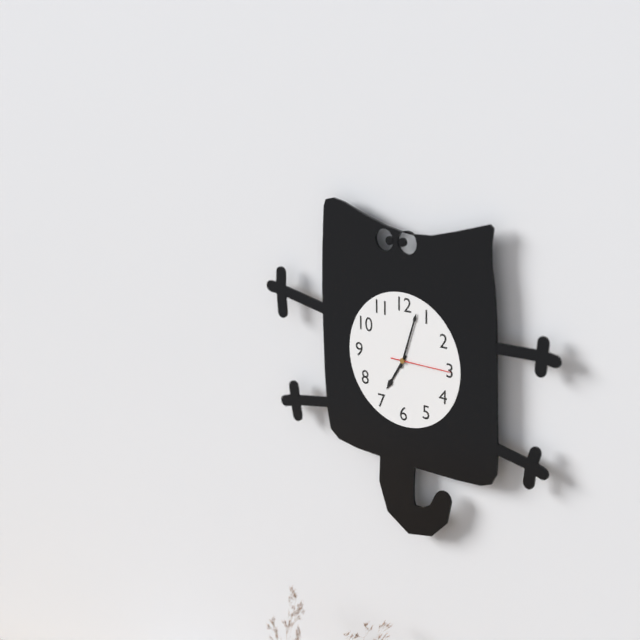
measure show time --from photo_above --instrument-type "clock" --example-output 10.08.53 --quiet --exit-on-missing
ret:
7.03.15
